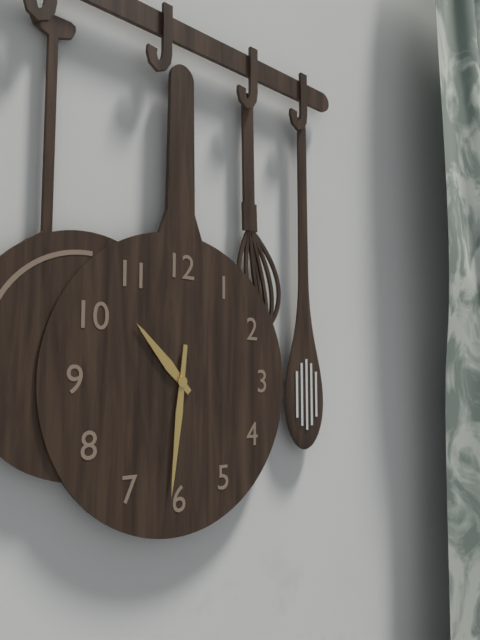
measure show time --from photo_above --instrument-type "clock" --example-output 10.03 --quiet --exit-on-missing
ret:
10.31
